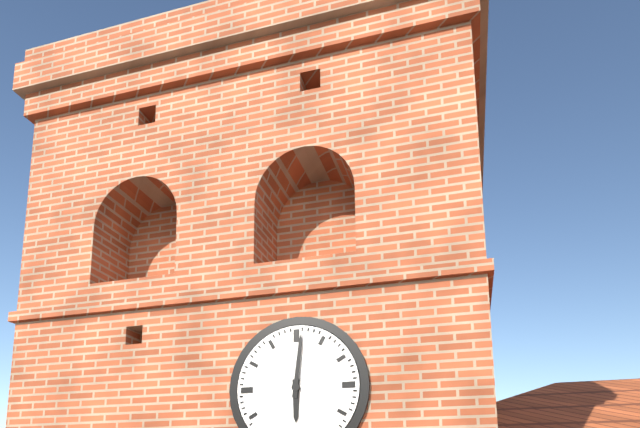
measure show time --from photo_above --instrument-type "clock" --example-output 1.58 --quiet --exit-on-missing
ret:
6.01
